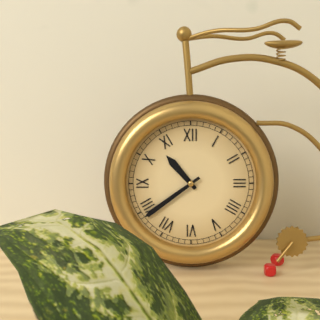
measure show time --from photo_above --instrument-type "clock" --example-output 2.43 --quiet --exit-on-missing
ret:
10.39
